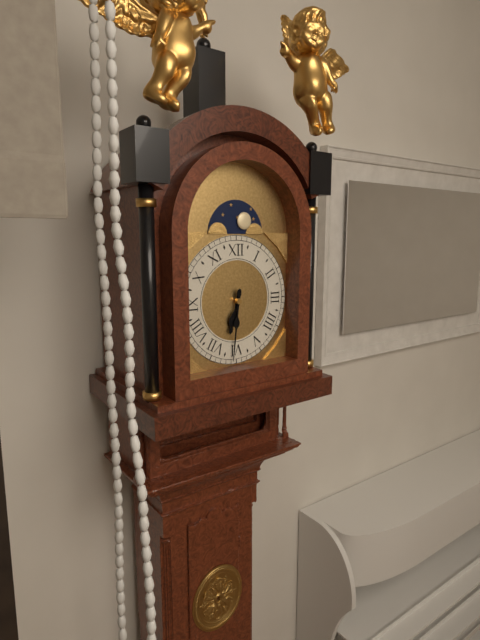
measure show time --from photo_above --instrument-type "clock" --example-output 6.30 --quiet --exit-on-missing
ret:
6.31
